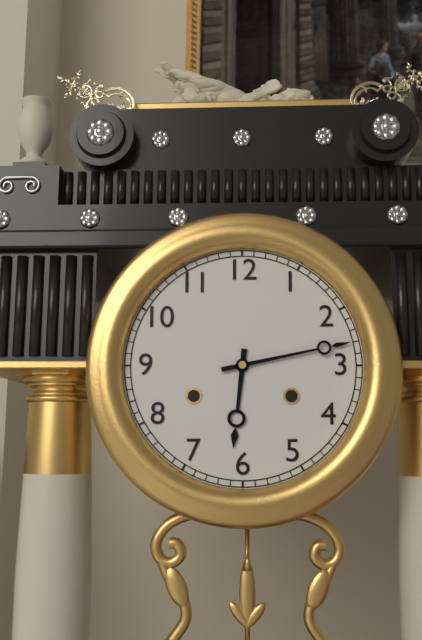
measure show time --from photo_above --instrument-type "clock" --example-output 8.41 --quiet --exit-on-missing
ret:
6.13
